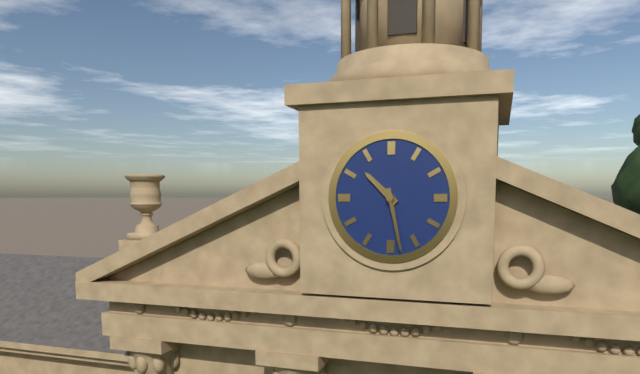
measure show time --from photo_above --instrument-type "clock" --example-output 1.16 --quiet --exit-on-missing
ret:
10.28
